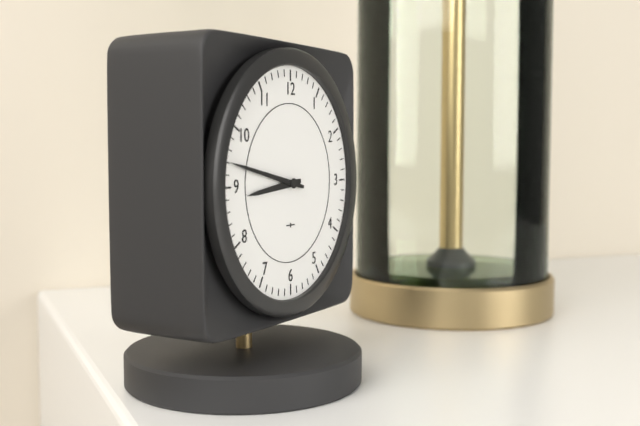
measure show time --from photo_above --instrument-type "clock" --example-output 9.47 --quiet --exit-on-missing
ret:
8.47
